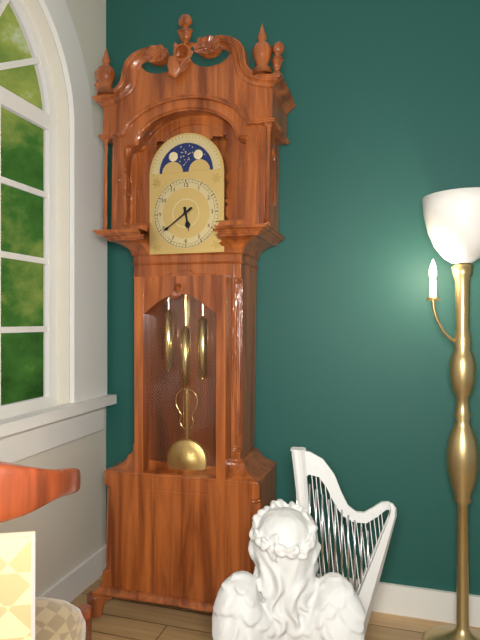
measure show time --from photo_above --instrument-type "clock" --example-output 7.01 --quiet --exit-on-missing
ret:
5.39
